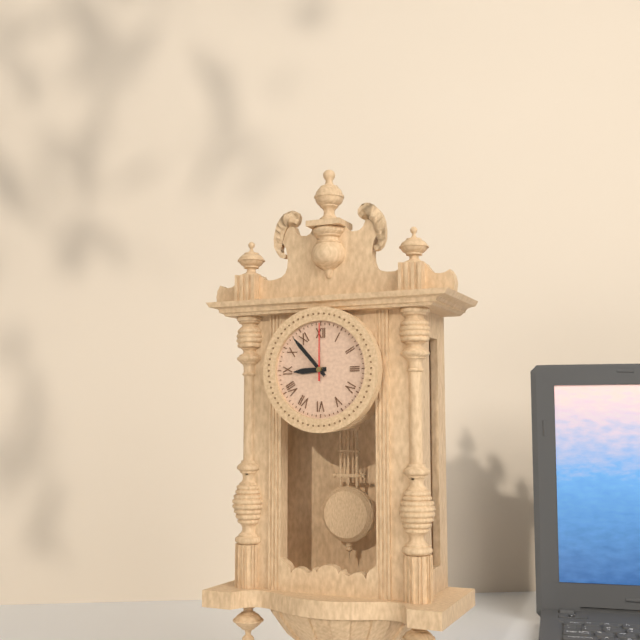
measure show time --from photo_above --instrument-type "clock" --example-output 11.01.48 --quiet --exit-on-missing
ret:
8.53.00
